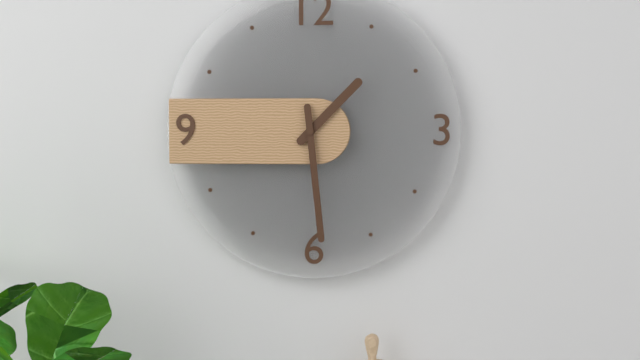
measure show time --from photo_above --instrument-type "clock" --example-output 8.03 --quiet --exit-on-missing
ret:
1.29
